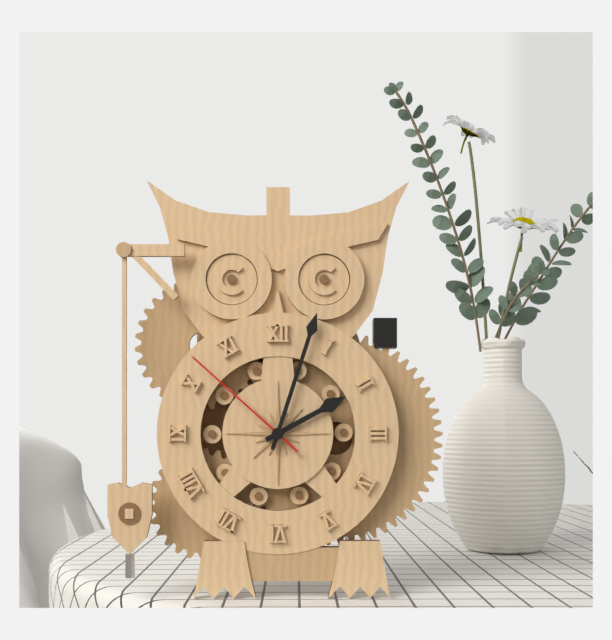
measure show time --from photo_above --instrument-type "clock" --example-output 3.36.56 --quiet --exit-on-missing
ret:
2.03.52
